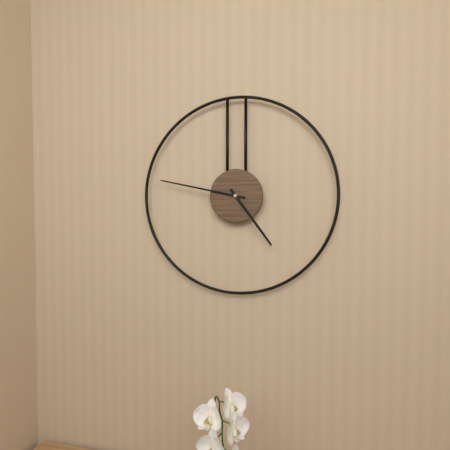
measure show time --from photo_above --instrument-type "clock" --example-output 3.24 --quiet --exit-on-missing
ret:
4.47
